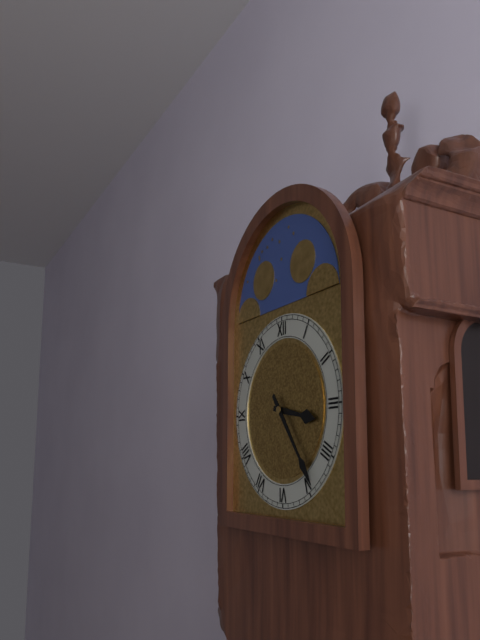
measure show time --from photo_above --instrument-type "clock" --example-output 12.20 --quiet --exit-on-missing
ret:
3.24
